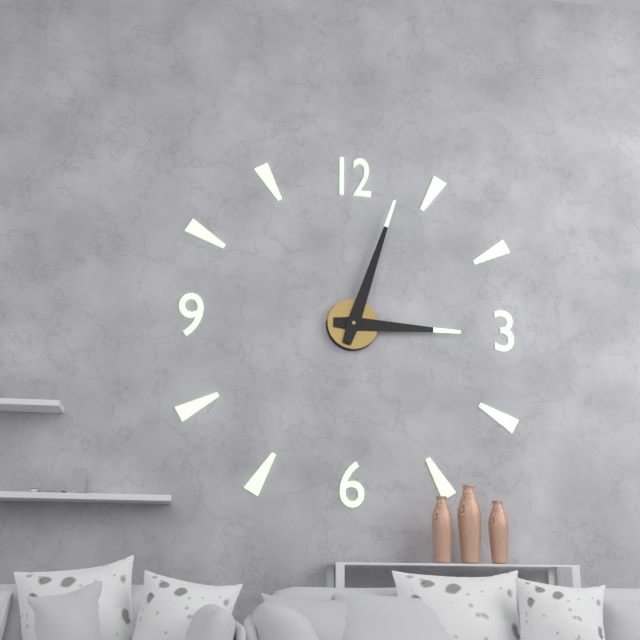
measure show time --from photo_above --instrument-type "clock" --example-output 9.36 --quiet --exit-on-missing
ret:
3.03
